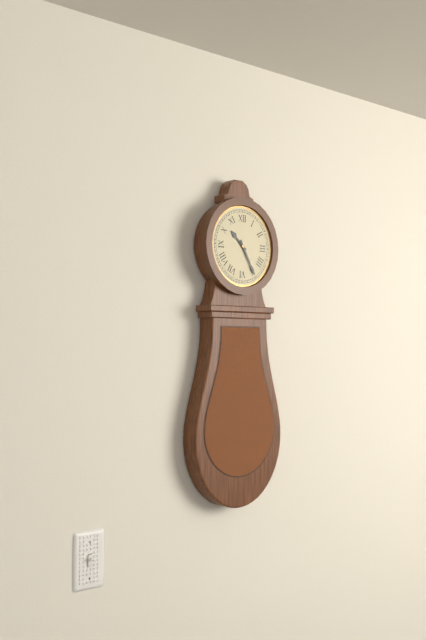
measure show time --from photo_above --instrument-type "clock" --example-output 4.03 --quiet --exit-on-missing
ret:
10.25
